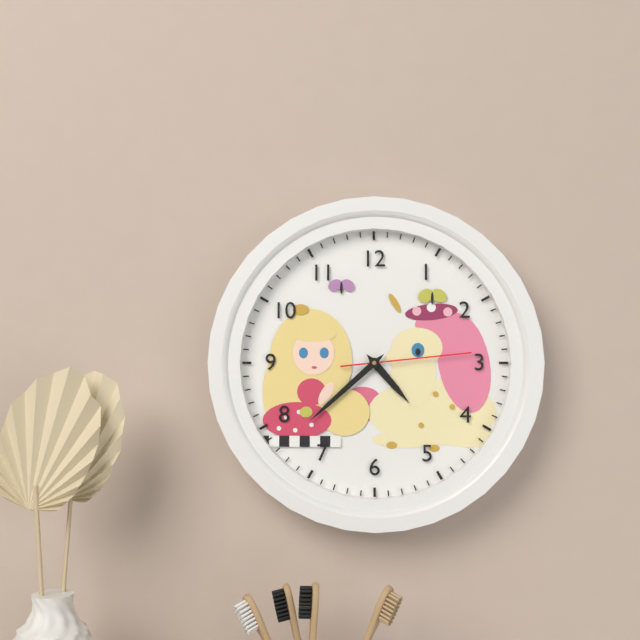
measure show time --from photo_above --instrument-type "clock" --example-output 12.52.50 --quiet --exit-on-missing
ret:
4.38.14
